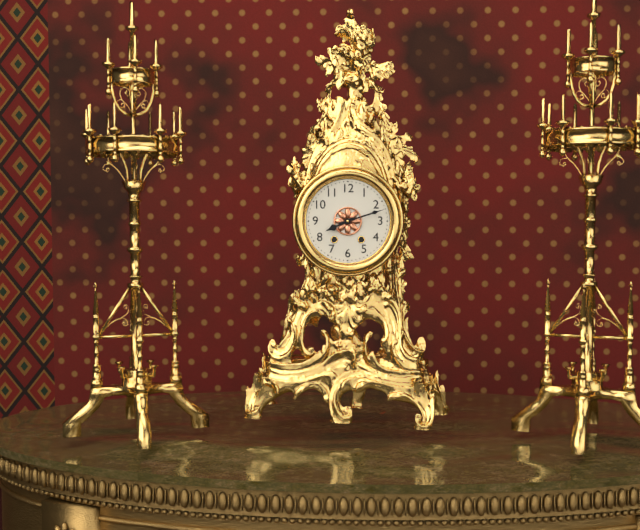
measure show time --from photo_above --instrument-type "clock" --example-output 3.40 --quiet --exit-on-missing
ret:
8.12
